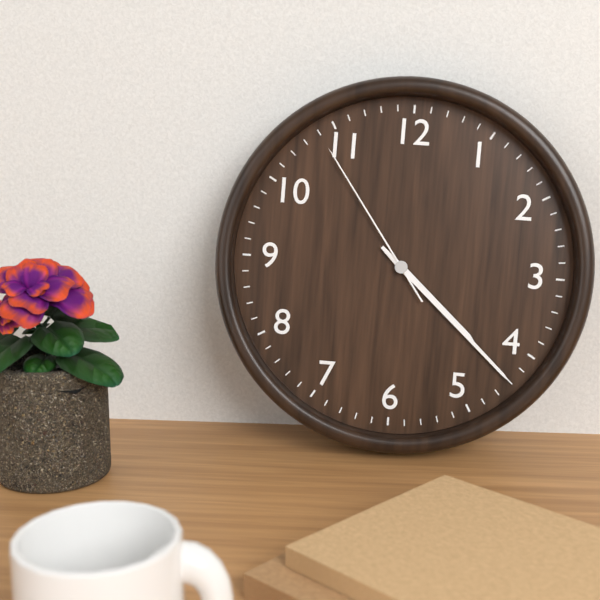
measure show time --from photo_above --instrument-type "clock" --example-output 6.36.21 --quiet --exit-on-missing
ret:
4.22.54
